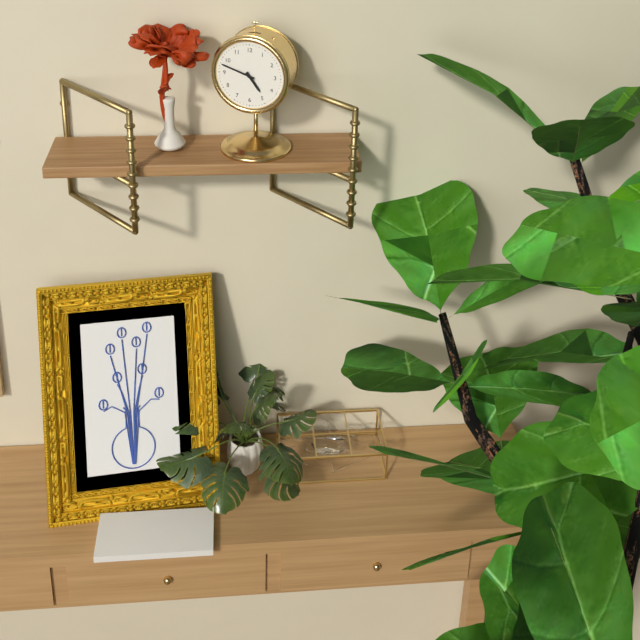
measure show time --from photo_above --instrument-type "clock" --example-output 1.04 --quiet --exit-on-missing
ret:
4.48
